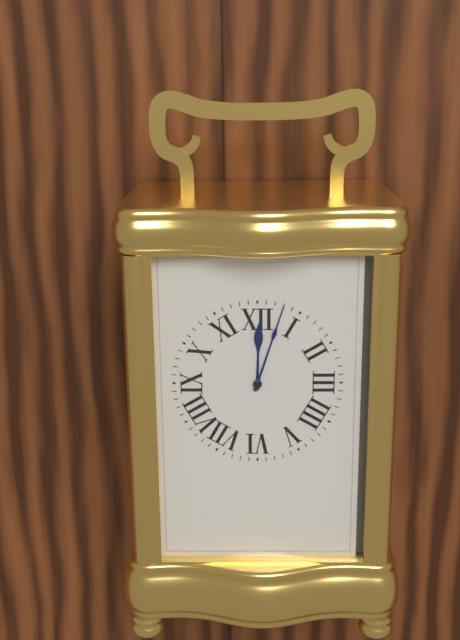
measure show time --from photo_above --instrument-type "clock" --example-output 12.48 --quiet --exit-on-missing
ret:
12.03
